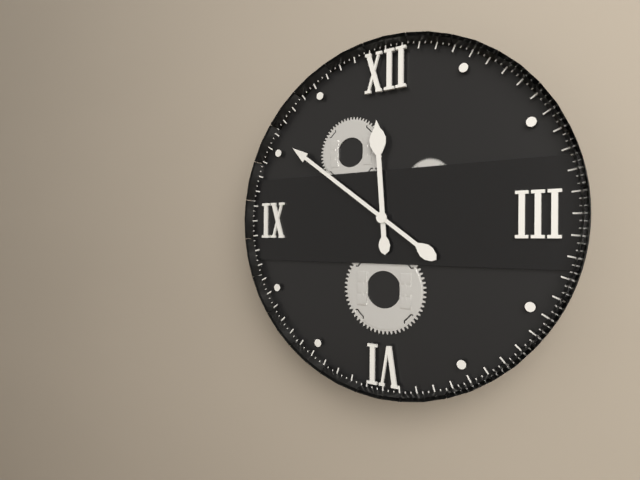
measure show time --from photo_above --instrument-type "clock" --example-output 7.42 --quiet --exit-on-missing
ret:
11.51
